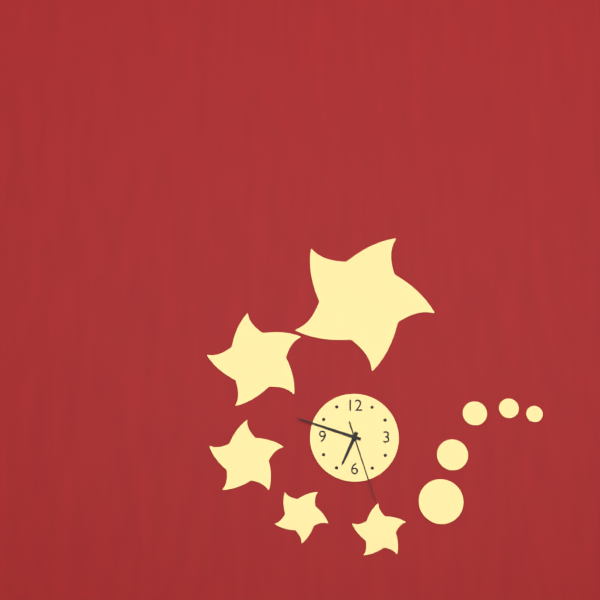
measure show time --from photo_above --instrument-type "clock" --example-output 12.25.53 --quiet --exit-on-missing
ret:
6.48.27
